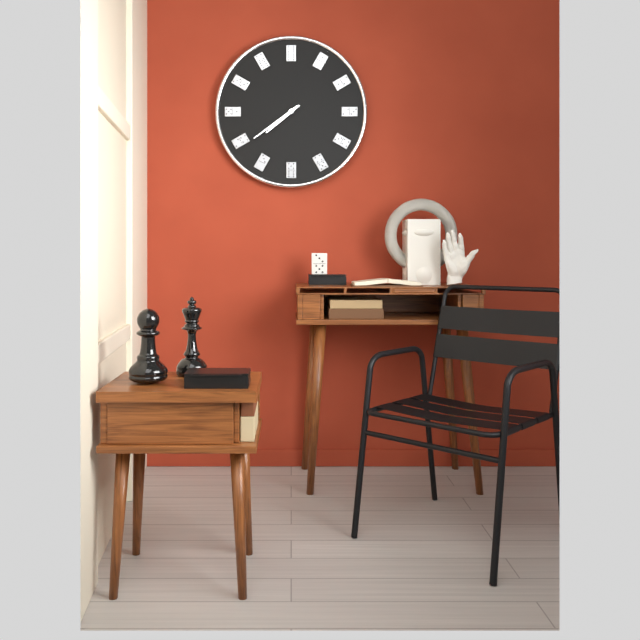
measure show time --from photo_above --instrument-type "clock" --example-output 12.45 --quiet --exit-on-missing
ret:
7.39
